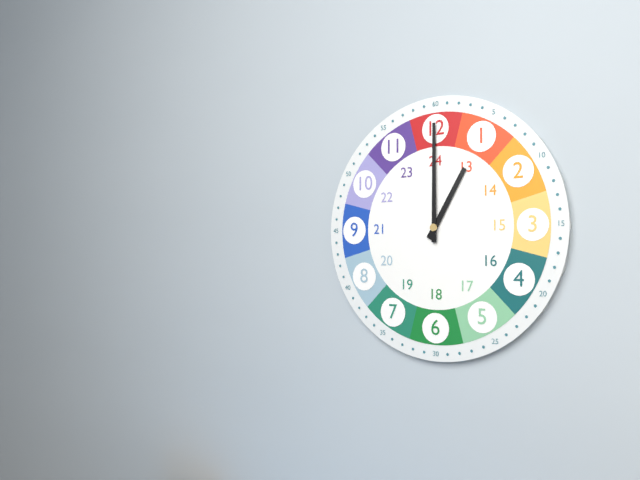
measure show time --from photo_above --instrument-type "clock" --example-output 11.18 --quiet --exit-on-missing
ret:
1.00
